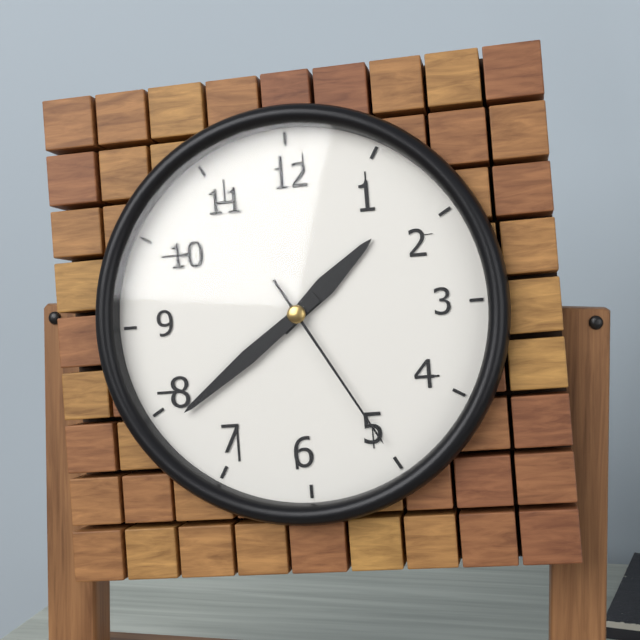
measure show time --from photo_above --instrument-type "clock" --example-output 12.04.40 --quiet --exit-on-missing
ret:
1.39.25
